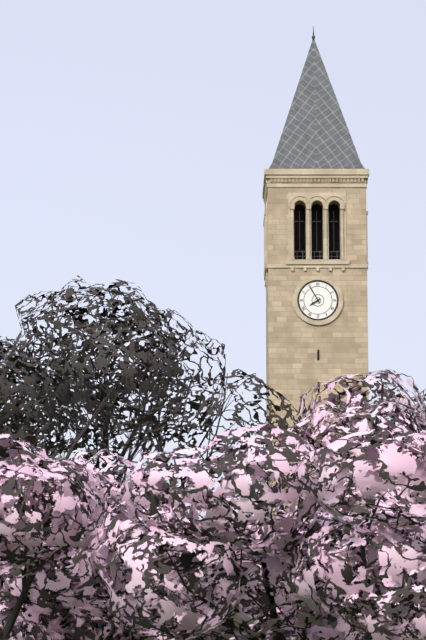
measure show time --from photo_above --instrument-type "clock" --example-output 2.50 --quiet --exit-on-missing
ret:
7.55
